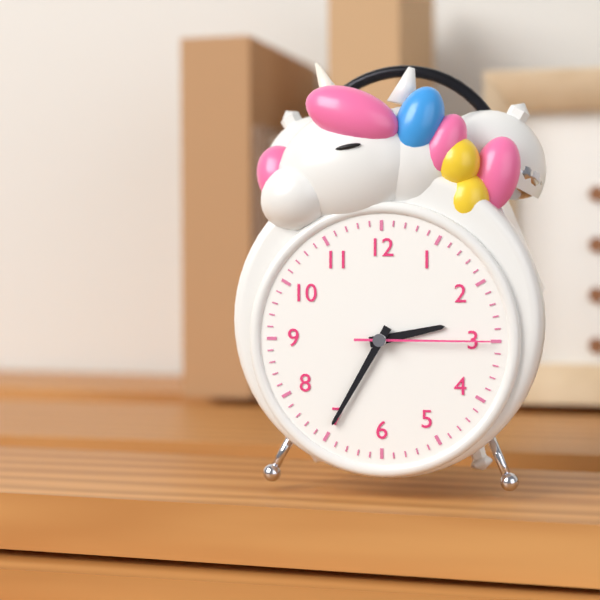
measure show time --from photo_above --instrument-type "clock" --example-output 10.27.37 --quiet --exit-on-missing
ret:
2.35.15
